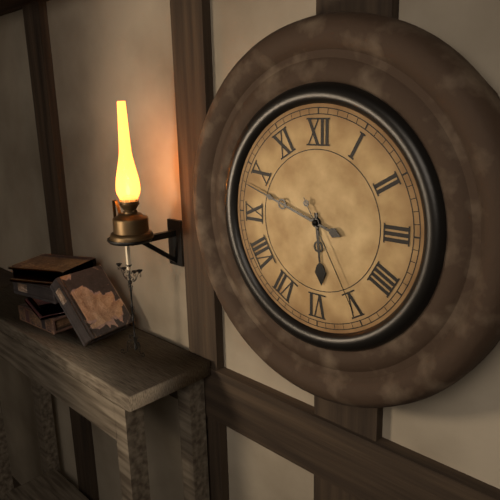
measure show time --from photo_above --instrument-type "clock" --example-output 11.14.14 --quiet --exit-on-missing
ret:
5.48.25
